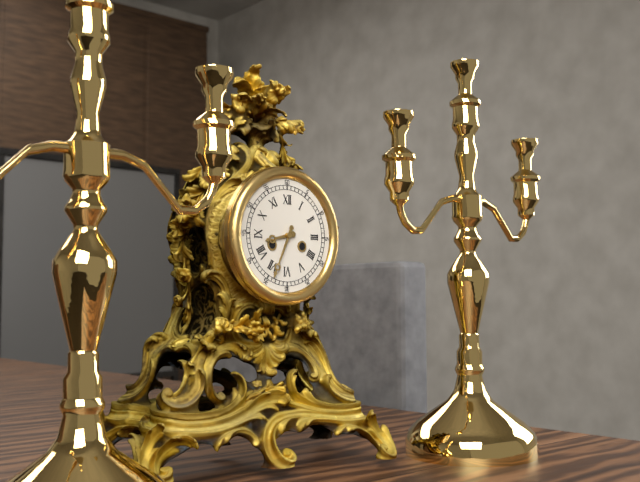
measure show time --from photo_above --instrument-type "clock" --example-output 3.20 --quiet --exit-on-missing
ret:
8.34
